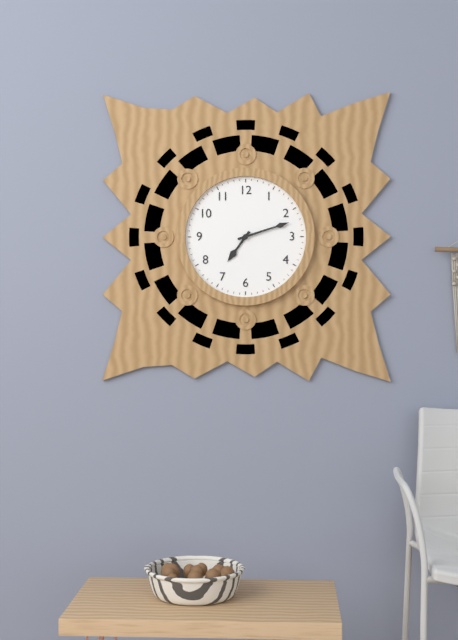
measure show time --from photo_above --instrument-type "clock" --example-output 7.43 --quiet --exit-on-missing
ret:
7.12
